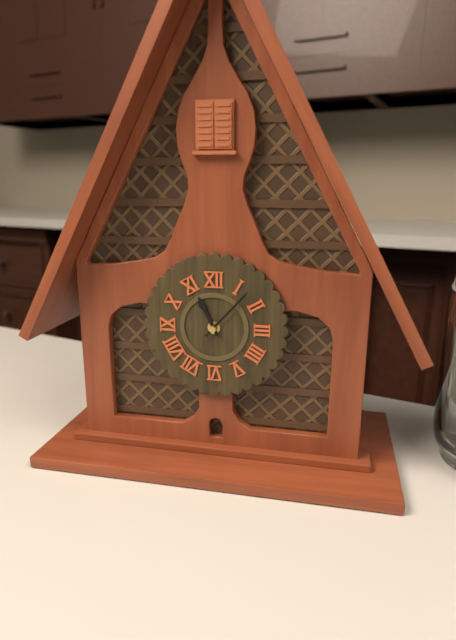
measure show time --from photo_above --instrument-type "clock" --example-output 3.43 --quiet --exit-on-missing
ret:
11.07
